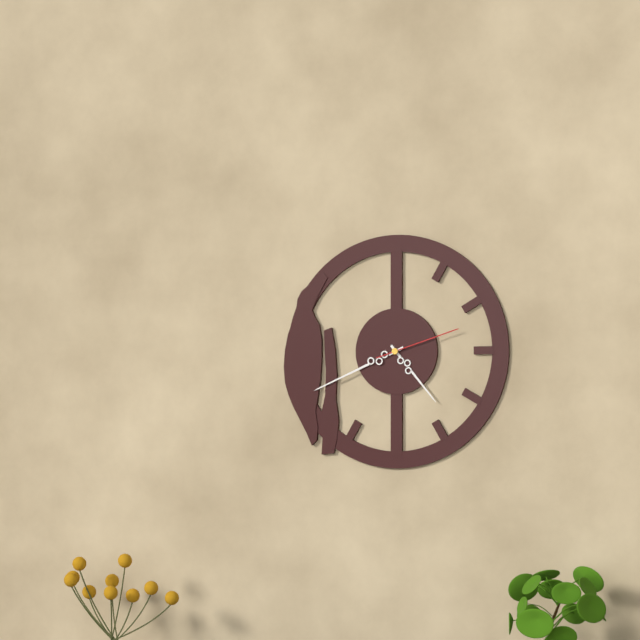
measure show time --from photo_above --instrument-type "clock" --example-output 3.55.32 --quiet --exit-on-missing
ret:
4.41.12
